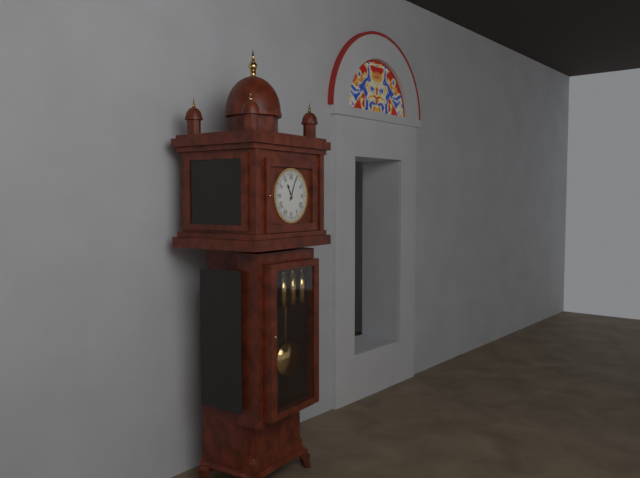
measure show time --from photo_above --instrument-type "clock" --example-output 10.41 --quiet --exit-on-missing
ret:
11.04
